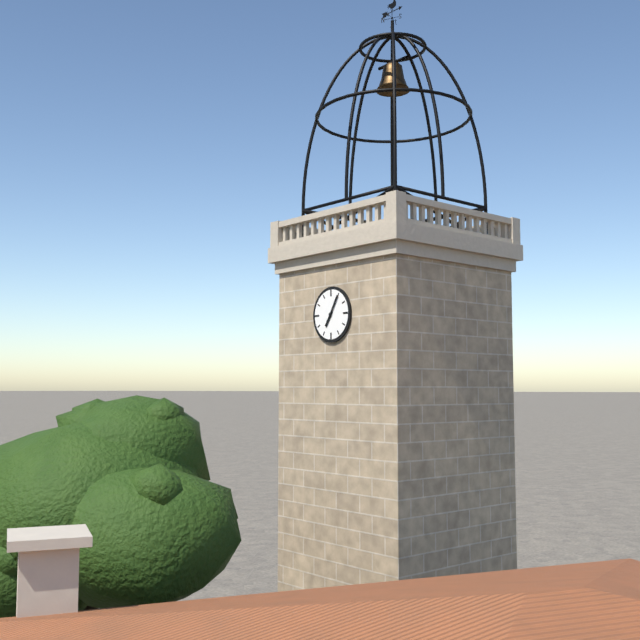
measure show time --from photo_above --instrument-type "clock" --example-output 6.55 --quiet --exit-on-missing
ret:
7.05
